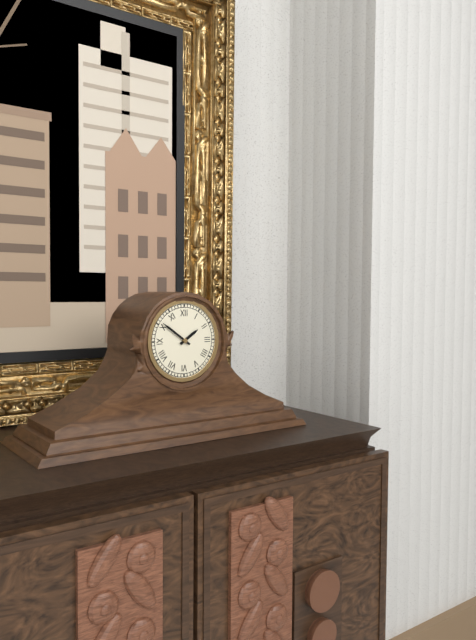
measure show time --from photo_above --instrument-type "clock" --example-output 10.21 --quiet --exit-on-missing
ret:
1.51
